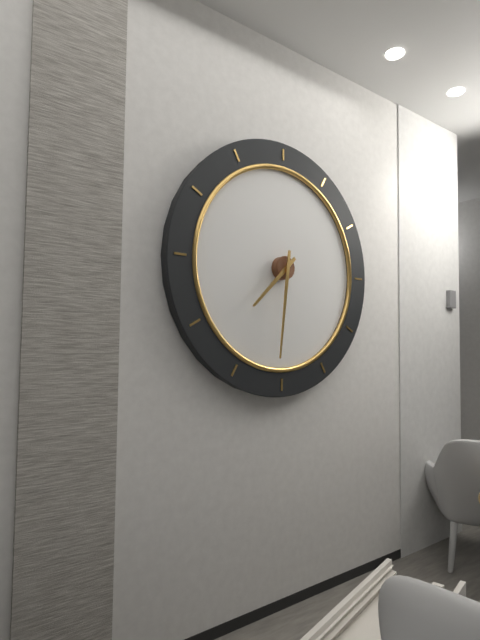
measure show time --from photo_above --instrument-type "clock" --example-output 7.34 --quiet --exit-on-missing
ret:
7.31
